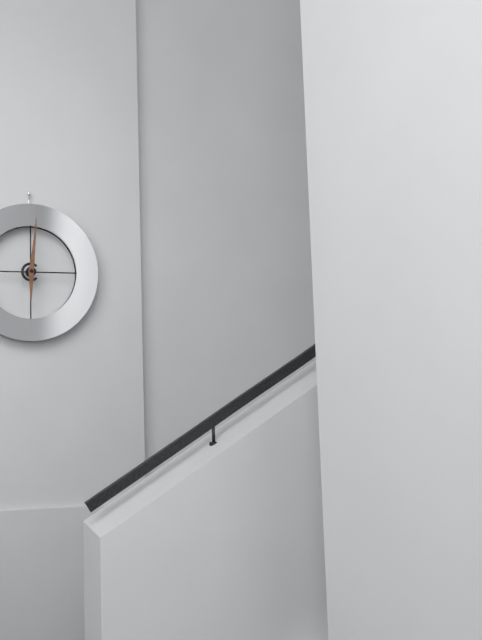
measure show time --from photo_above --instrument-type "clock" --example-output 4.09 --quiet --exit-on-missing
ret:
6.01
